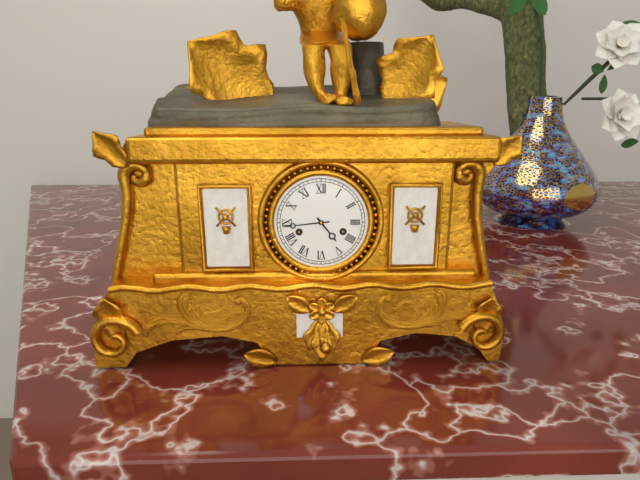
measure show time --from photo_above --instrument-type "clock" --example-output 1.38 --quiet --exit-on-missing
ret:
4.44
